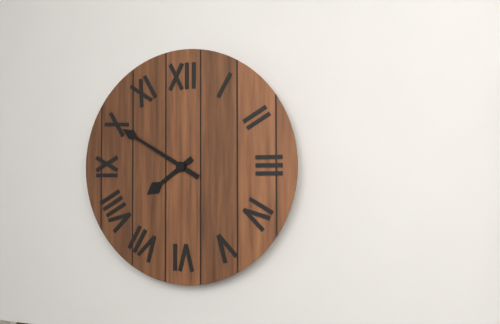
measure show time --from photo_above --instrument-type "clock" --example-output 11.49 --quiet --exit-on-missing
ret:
7.50
